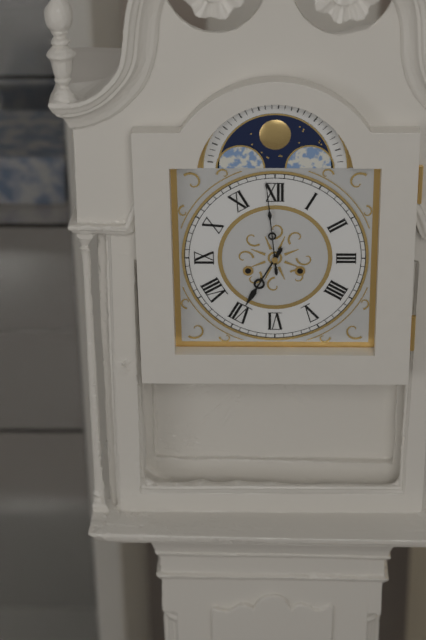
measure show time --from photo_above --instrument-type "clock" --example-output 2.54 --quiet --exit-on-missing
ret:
6.59
